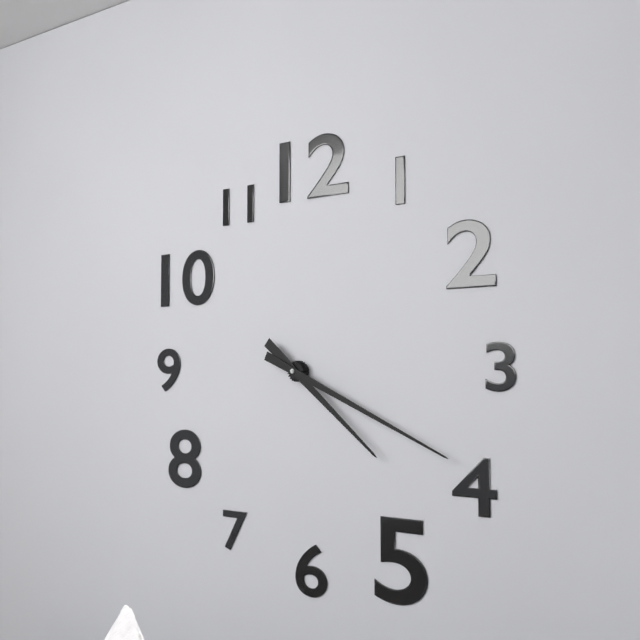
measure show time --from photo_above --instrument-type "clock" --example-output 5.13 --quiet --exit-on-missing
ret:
4.19
